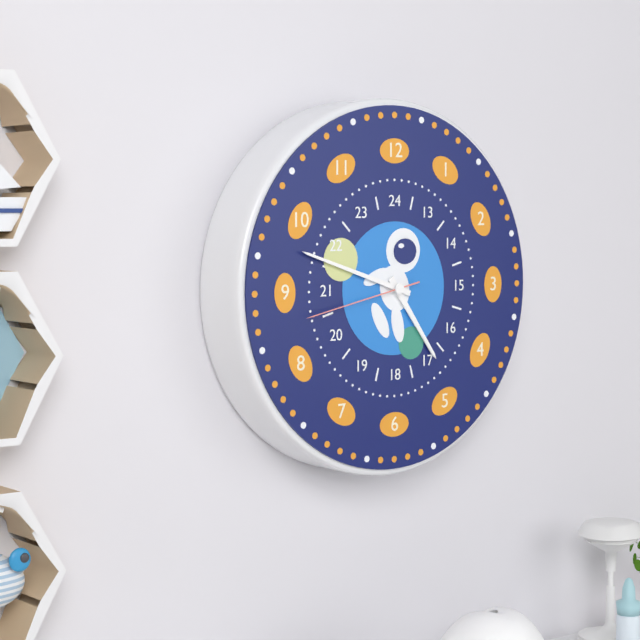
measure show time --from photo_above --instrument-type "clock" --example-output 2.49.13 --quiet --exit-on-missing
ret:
4.48.43
